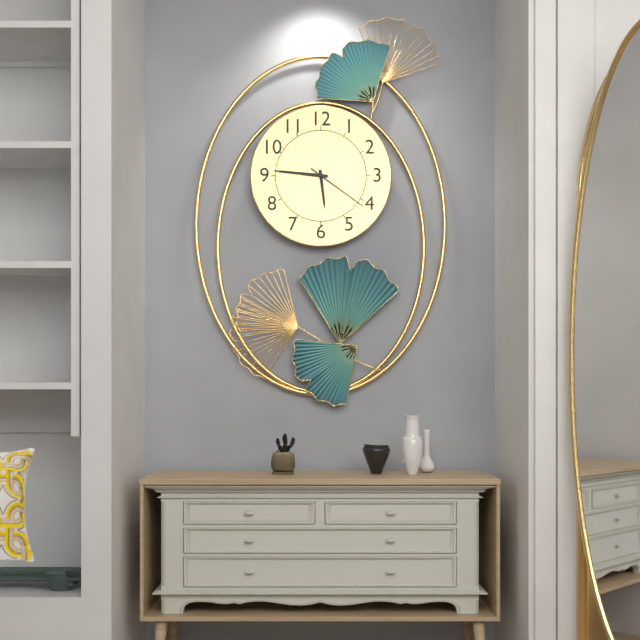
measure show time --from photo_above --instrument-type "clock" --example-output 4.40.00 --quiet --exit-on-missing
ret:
5.46.21
